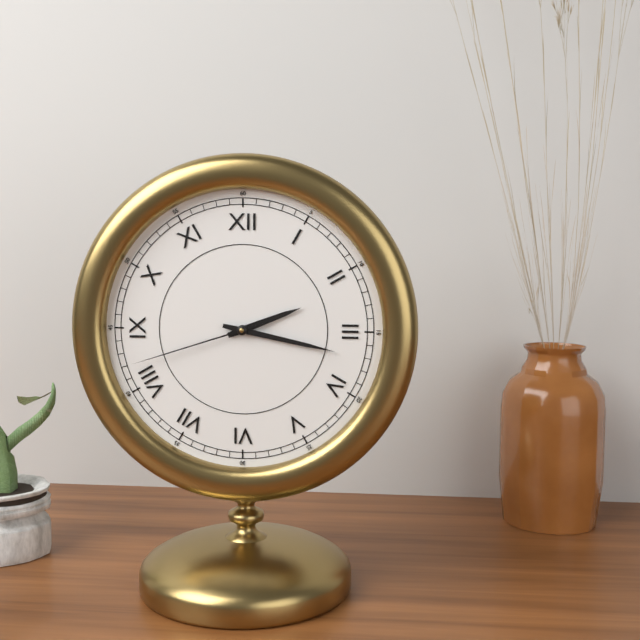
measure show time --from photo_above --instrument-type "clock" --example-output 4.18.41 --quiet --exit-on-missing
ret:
2.17.42
